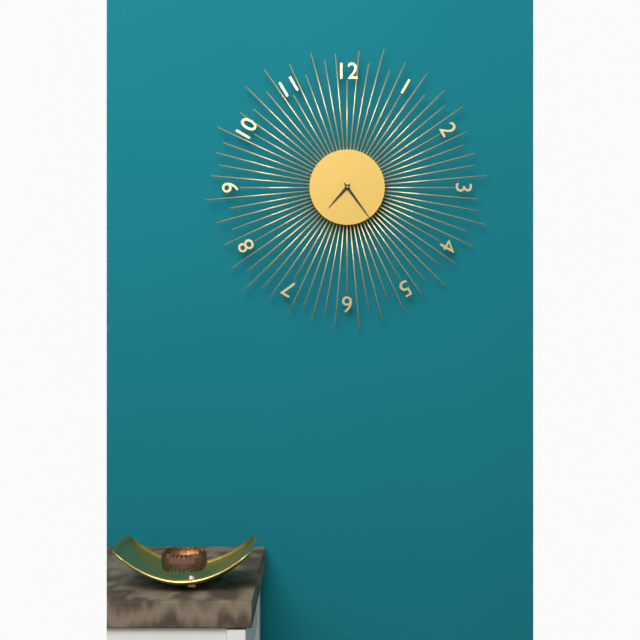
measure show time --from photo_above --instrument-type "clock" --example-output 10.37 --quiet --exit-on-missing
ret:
7.24
